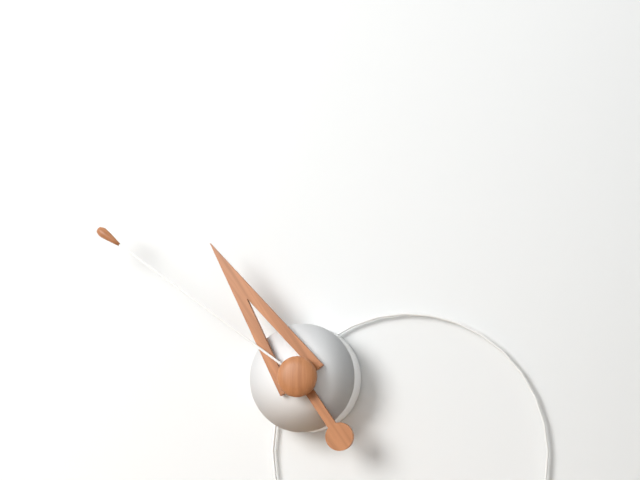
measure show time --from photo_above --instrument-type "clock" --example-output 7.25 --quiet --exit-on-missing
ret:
10.51
